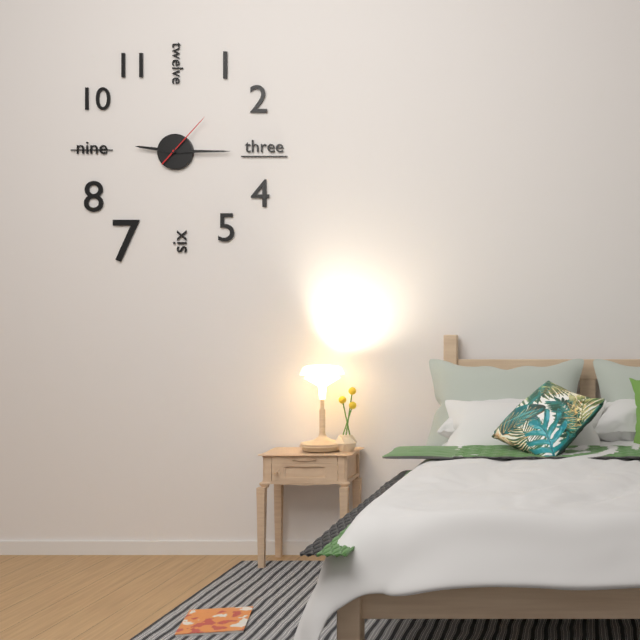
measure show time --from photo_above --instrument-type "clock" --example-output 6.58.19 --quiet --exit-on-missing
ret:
9.15.07
